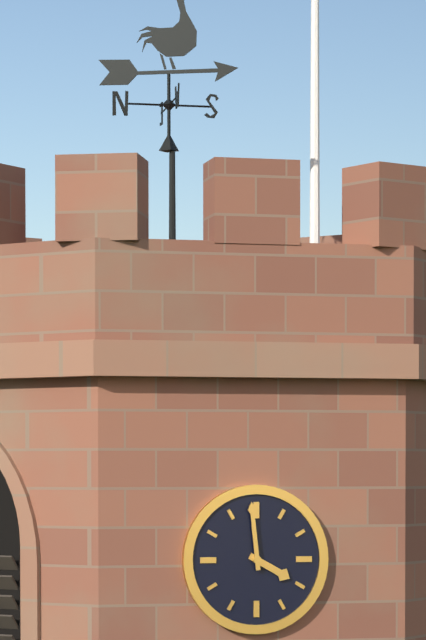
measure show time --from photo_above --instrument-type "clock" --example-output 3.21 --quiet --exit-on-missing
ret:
3.59
